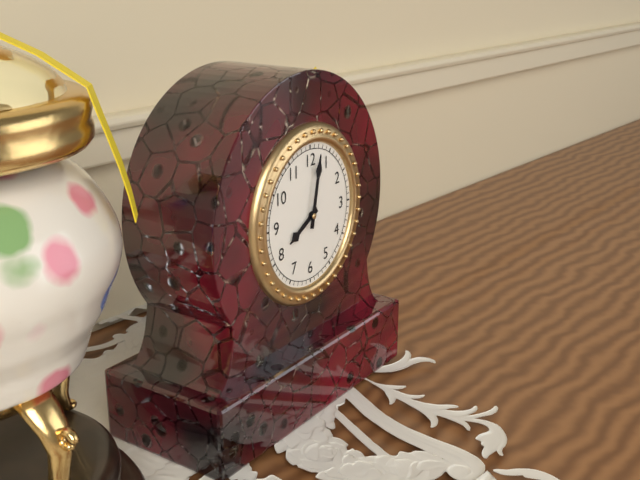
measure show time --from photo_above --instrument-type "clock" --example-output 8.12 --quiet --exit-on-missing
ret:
8.02
